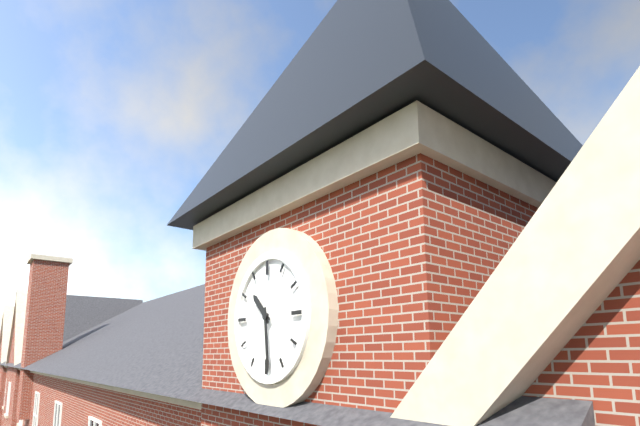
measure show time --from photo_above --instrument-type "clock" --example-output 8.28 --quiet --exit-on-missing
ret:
10.29
